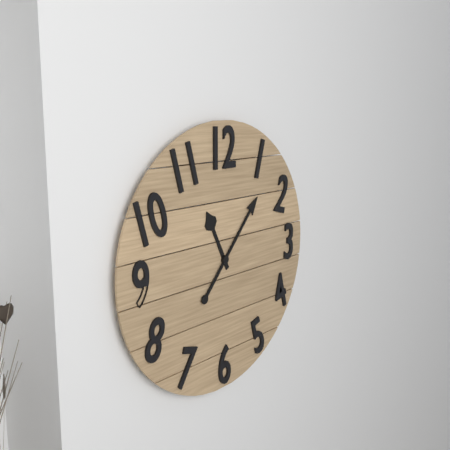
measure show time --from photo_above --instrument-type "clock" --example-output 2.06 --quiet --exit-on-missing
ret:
11.07
